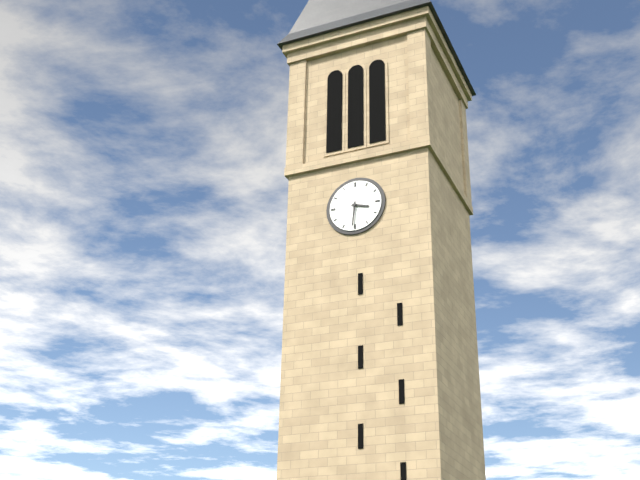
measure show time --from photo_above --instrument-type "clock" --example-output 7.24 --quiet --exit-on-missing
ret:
3.31
